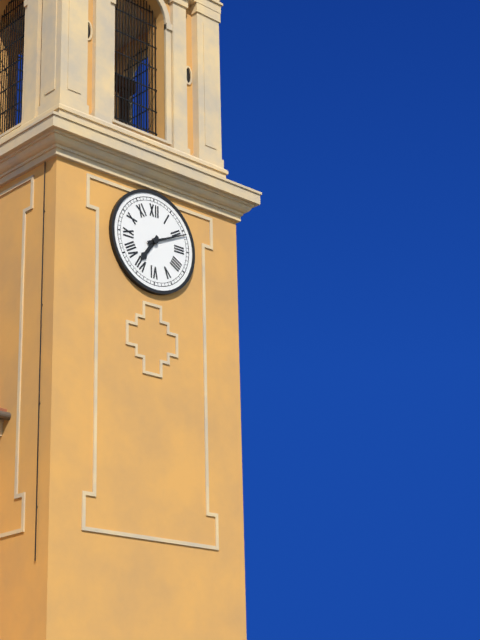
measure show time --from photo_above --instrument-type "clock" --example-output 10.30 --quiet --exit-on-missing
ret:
7.11
